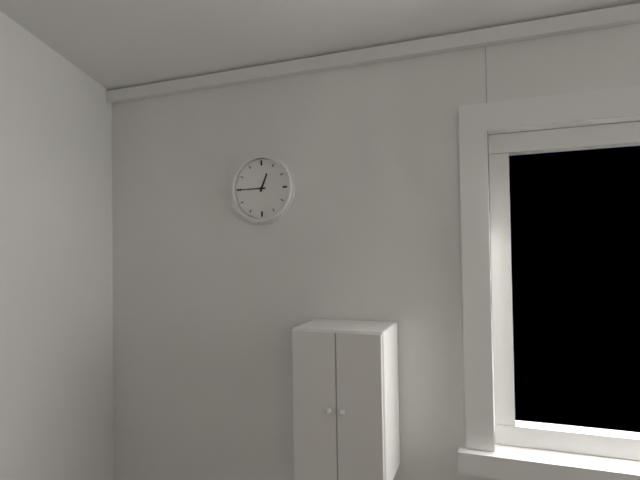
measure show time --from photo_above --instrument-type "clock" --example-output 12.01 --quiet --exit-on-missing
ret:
12.45
